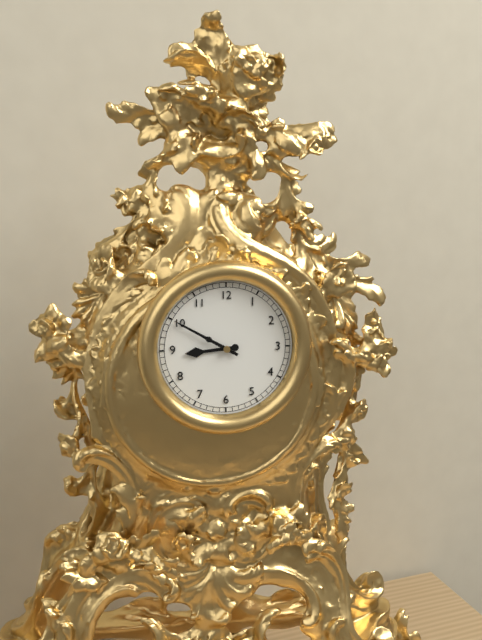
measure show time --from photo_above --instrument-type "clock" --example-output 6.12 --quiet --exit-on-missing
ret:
8.50
